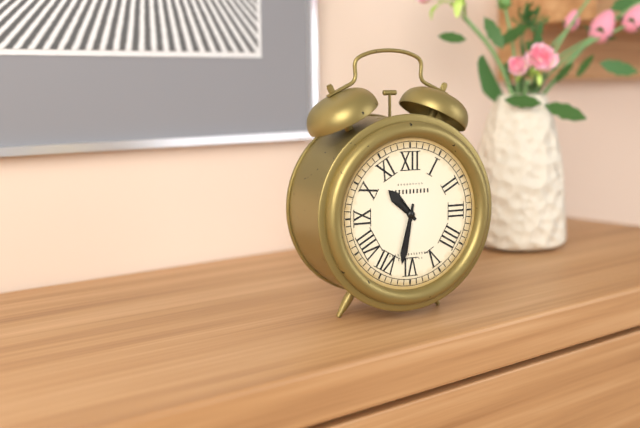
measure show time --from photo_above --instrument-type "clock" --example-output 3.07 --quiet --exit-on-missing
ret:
10.32
